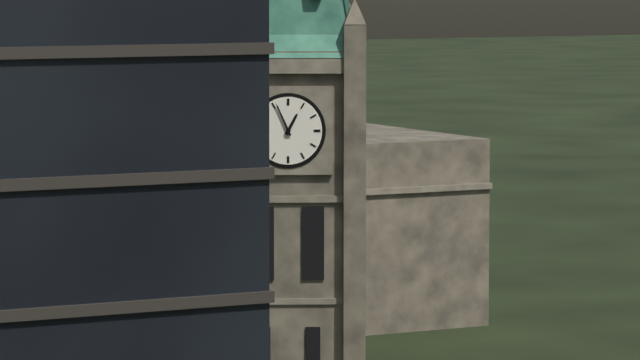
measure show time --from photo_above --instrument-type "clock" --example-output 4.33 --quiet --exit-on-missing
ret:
12.56
